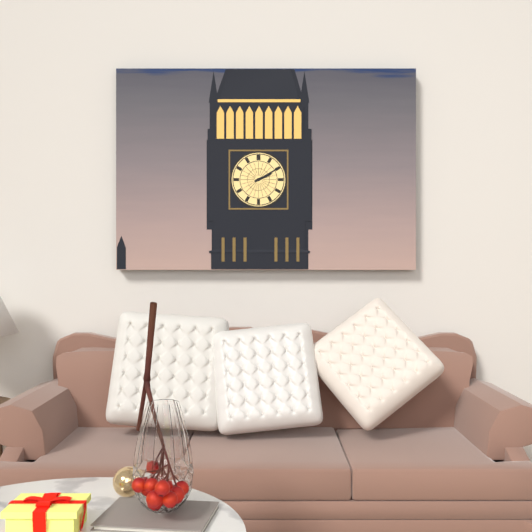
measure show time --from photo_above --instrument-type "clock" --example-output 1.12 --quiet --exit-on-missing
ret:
2.10
